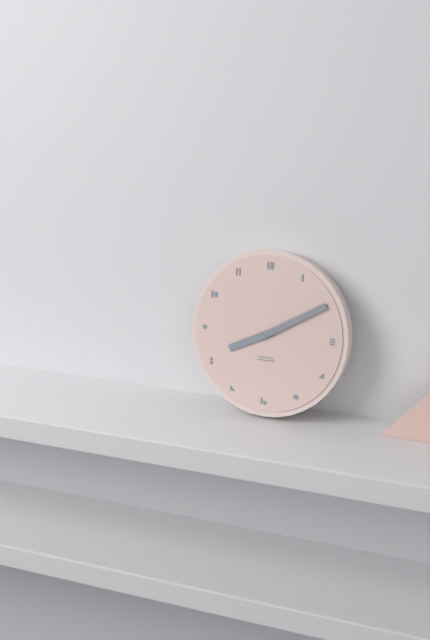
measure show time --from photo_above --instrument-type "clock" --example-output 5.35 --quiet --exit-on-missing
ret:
8.10
